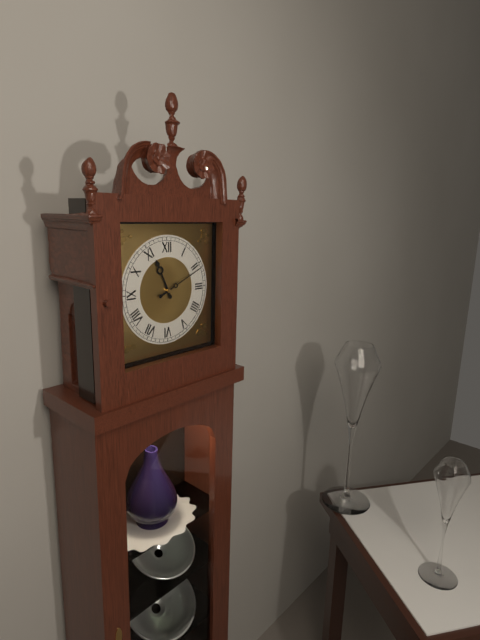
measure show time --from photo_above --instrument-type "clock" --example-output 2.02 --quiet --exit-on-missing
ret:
11.11
